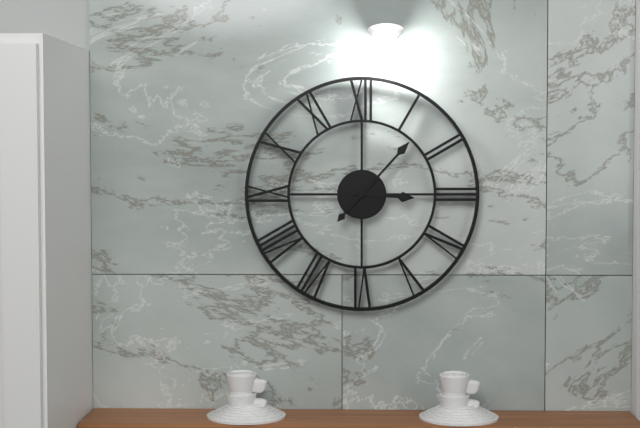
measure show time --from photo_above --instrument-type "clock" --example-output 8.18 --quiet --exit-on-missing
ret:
3.07
